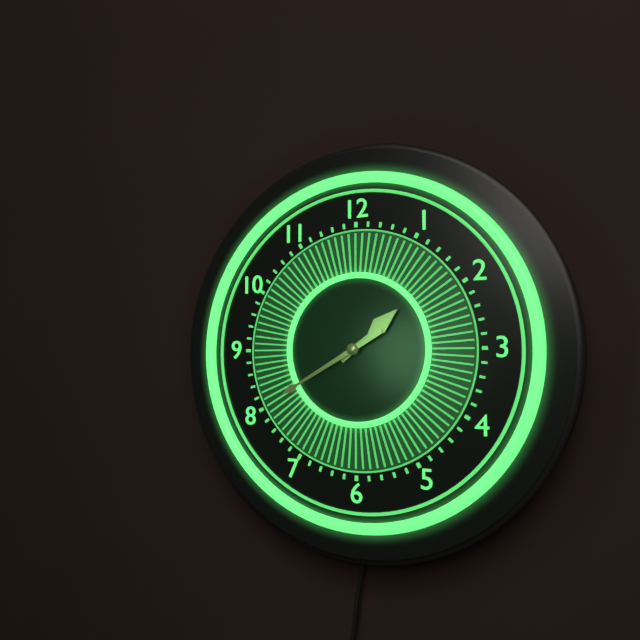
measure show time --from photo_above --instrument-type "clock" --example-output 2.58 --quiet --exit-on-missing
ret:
1.40
